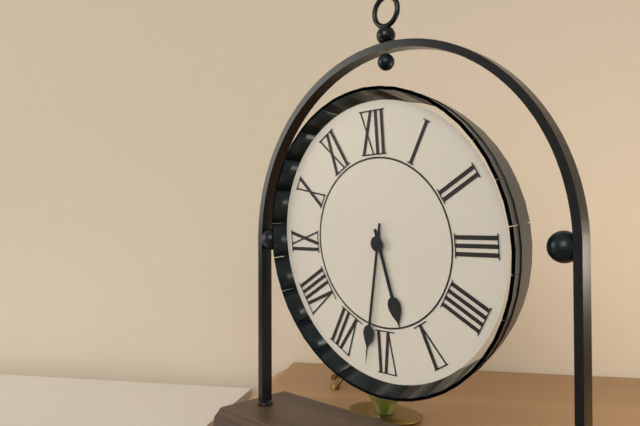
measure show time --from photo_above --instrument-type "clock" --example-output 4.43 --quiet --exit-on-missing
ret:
5.32
